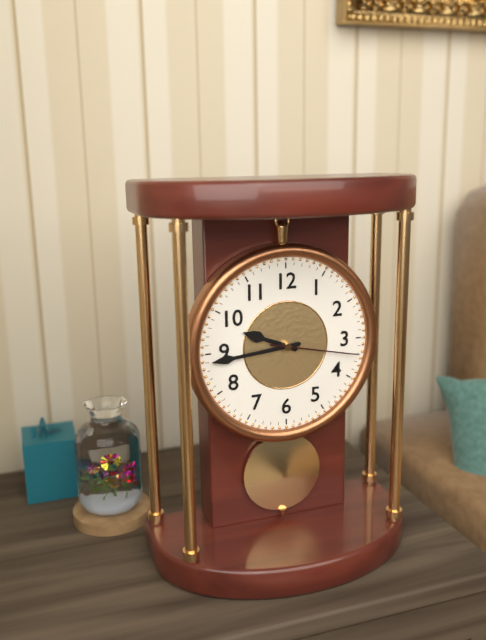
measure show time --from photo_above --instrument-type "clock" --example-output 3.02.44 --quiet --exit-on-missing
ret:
9.44.17
